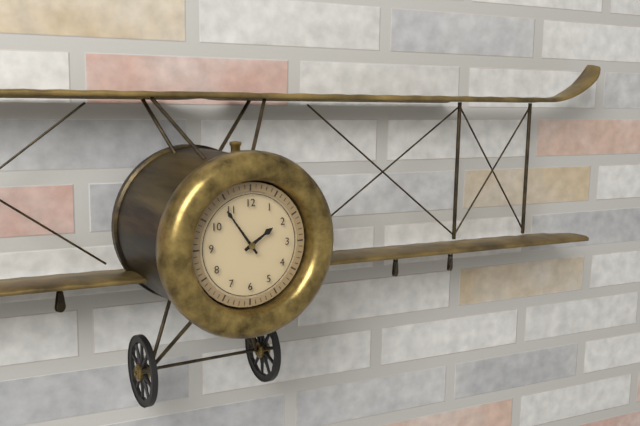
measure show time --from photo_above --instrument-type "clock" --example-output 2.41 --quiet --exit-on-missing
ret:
1.54
